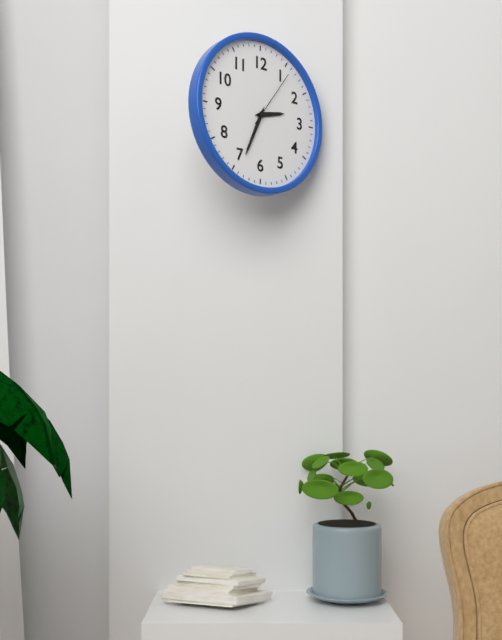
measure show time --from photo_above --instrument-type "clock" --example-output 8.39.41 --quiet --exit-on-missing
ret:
2.34.06
